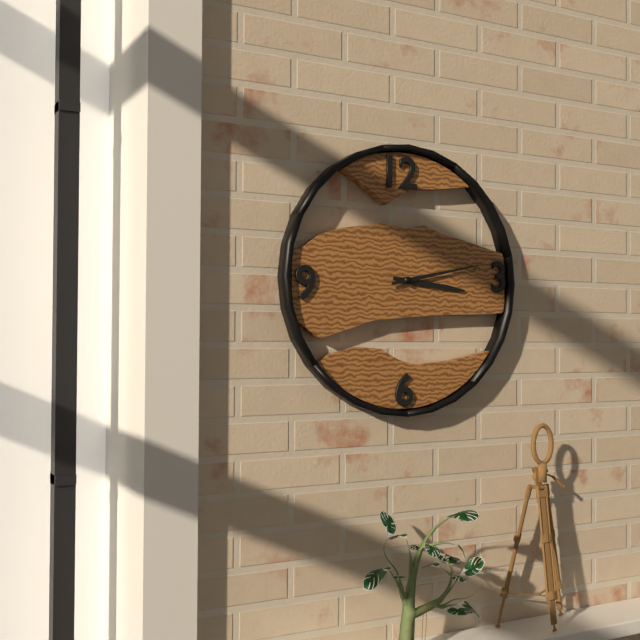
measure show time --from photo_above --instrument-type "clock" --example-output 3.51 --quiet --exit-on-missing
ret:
3.13
